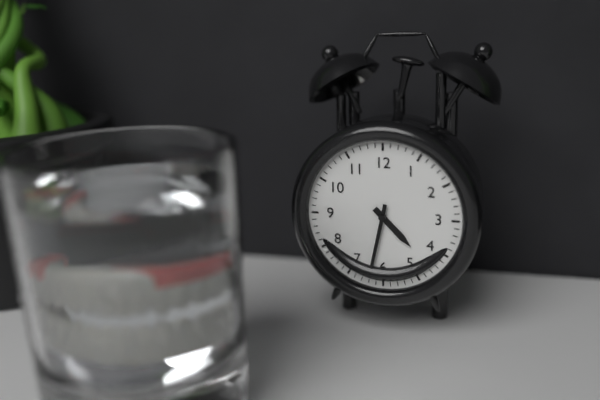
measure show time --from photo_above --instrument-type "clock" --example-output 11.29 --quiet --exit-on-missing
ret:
4.32
